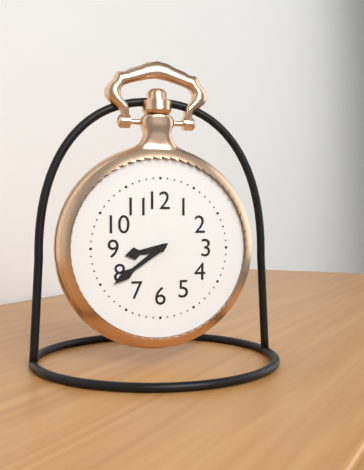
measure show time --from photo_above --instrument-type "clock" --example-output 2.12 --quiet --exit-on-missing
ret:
8.39
